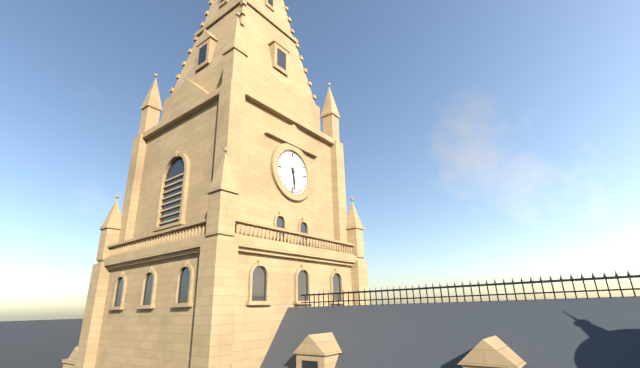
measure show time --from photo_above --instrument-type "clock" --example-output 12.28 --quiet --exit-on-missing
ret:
5.29
